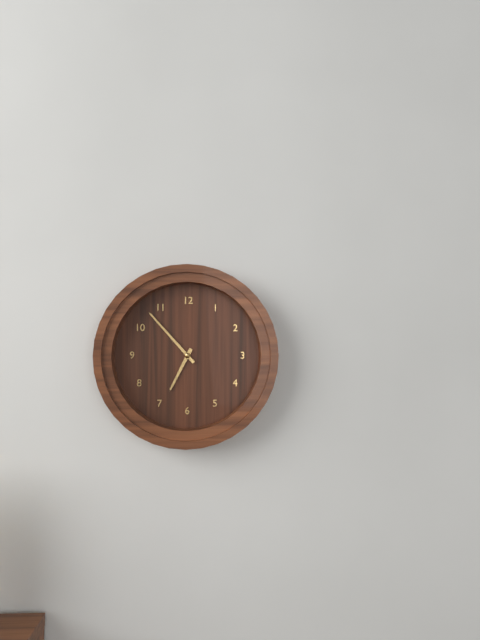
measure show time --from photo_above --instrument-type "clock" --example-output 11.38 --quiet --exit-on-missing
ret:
6.53
